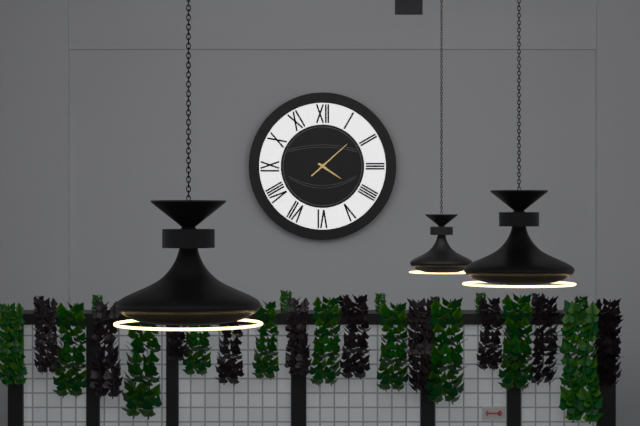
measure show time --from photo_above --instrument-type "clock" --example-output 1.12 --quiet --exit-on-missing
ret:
4.08
